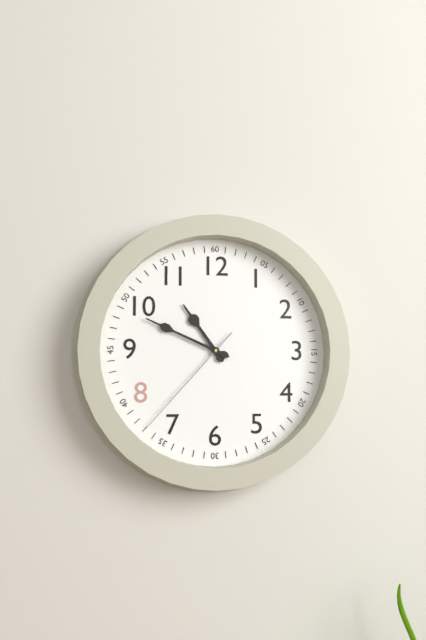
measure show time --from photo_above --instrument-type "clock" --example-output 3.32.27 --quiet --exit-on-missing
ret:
10.49.37
